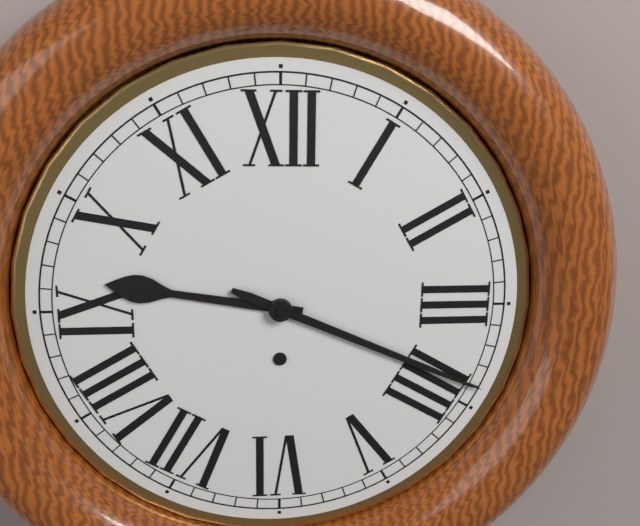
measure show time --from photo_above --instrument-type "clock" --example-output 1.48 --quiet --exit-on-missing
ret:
9.19
